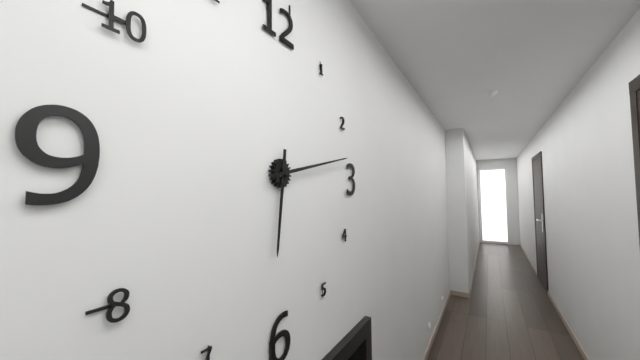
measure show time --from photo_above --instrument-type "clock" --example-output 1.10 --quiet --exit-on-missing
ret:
6.13
